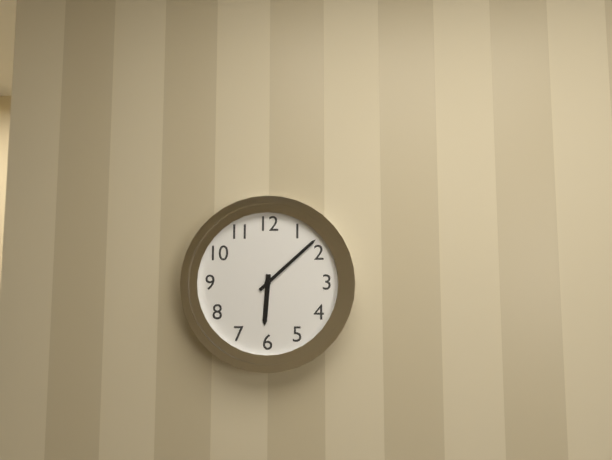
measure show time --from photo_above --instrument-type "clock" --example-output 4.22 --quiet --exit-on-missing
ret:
6.08
